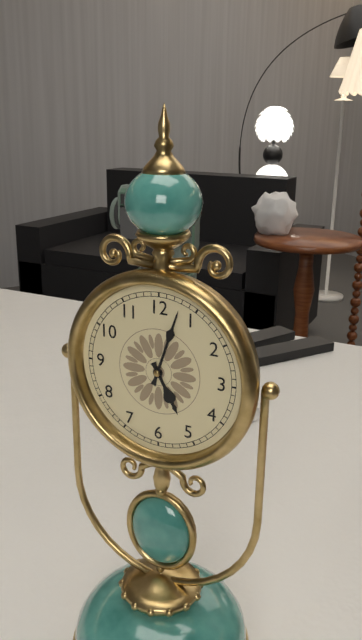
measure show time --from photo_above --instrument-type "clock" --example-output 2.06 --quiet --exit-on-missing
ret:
5.03
